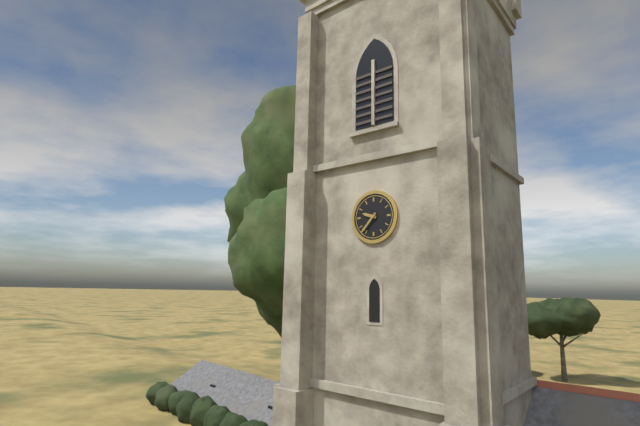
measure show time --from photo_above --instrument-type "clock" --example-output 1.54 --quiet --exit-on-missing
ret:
9.37
